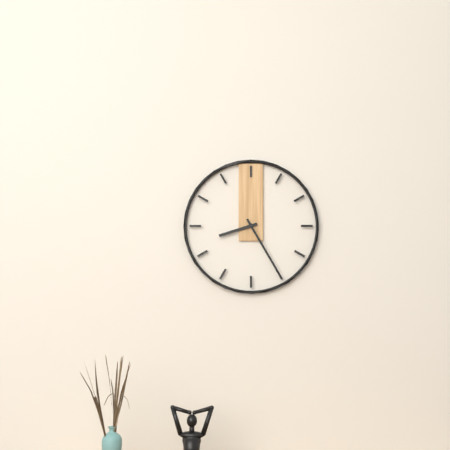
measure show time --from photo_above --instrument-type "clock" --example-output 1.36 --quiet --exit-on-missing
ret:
8.25
